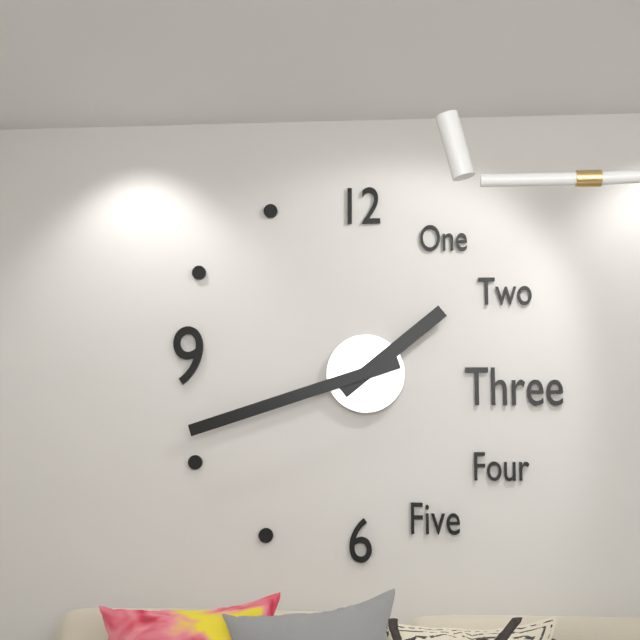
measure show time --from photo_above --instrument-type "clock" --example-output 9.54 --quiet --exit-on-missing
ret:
1.42
